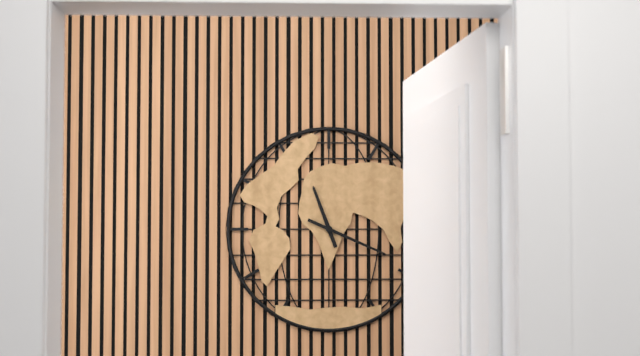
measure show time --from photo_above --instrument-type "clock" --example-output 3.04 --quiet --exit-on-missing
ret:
11.19
